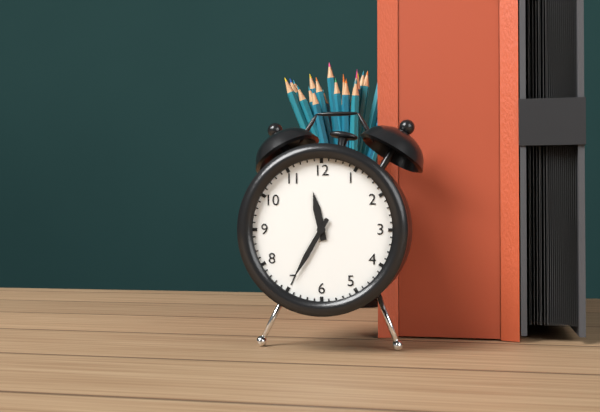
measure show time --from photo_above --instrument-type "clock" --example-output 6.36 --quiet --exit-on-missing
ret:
11.35
